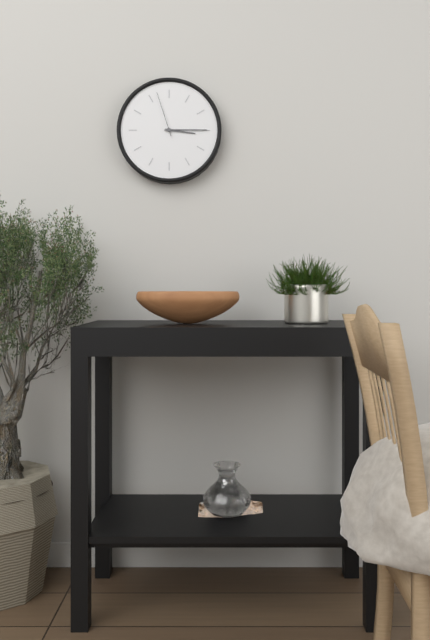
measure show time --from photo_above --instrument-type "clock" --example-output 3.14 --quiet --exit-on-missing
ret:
3.15
